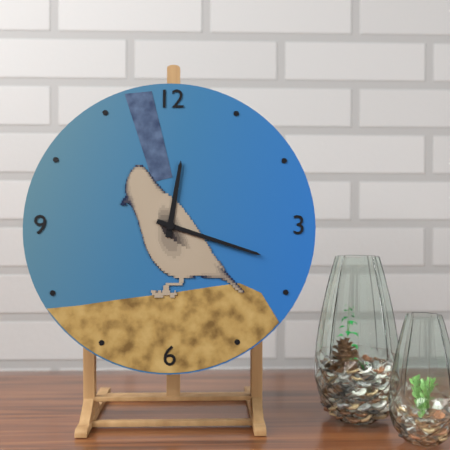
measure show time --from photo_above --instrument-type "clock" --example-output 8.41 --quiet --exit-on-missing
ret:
12.18
